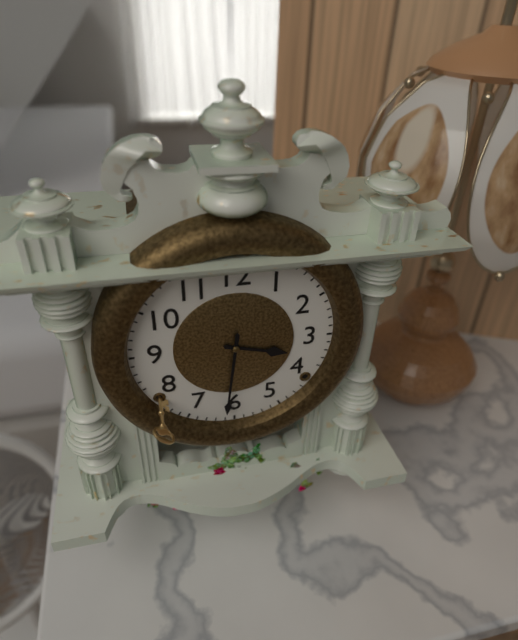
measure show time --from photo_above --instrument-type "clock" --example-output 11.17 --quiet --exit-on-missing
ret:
3.31
